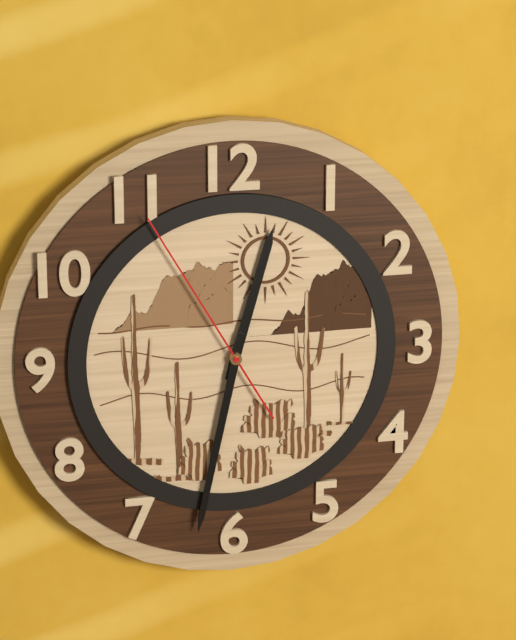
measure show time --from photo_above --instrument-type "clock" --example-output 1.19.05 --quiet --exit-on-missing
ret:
12.32.55
